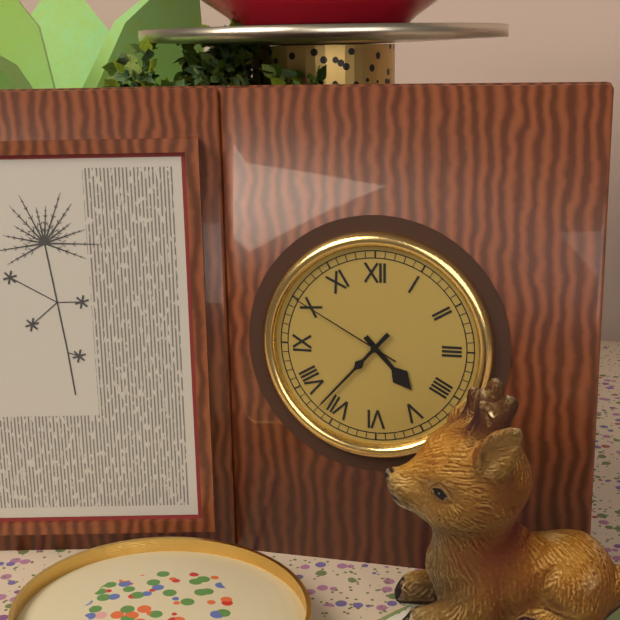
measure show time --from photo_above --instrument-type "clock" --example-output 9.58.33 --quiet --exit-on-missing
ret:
4.37.50
